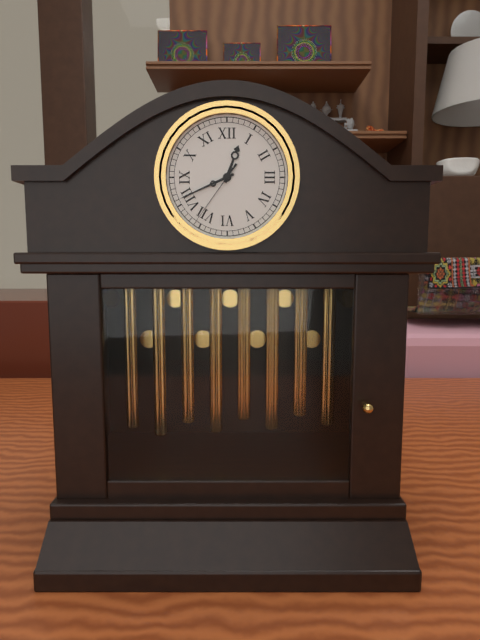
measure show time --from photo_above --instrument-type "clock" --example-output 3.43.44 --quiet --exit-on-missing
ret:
12.41.36
